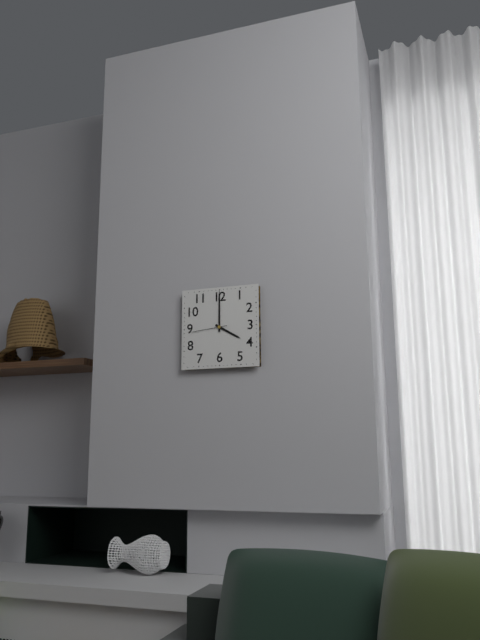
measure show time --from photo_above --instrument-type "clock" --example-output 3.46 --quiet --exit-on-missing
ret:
4.00
